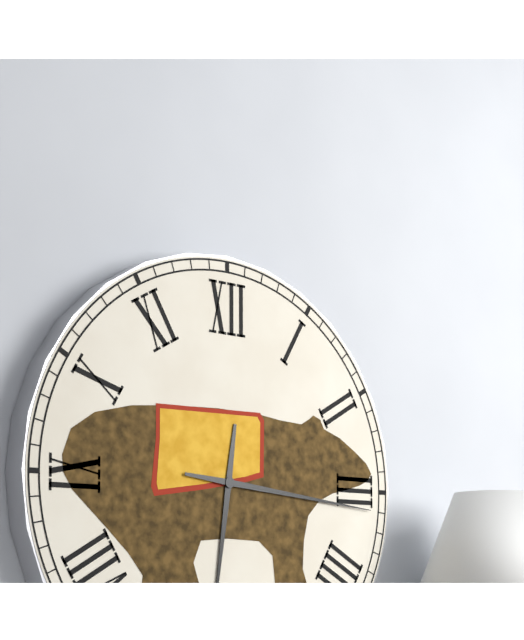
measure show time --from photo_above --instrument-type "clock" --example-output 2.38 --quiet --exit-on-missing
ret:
6.16
